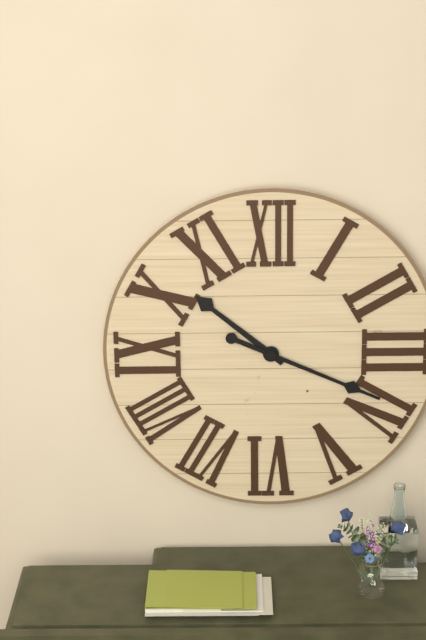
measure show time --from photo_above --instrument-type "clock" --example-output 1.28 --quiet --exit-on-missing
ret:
10.19
